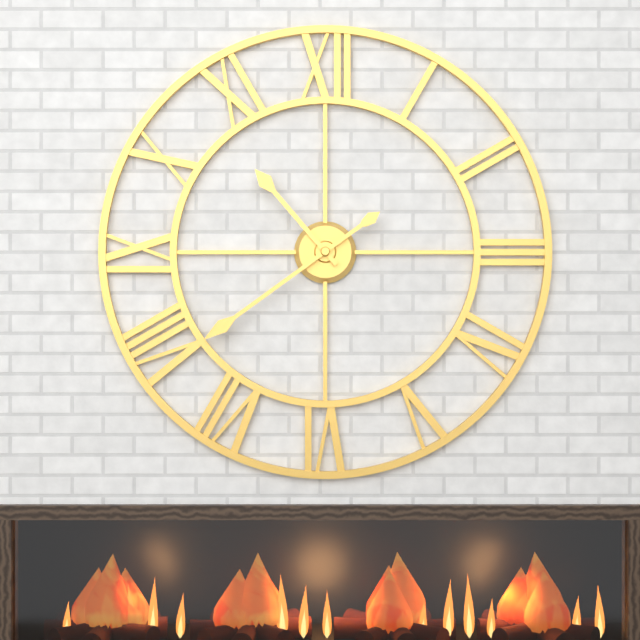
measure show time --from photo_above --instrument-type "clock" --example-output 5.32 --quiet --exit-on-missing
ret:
10.39
